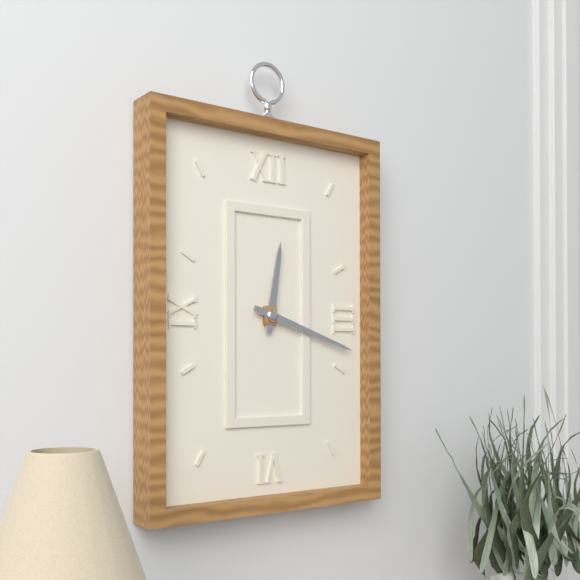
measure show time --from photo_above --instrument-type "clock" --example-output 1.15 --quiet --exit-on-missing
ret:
12.18
